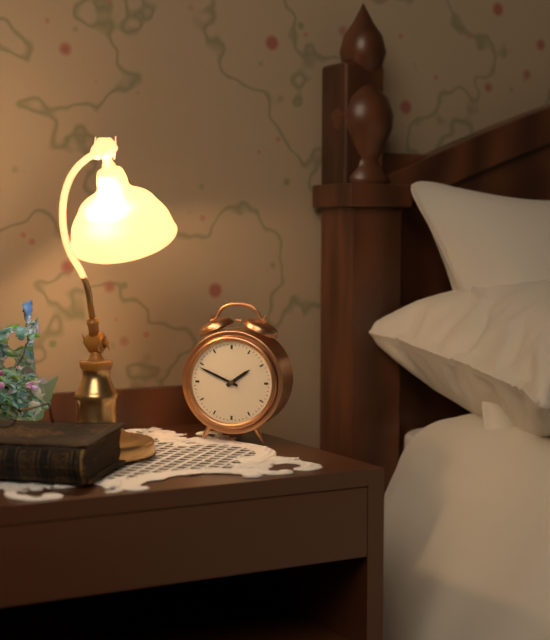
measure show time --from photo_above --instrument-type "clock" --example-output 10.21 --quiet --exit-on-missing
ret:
1.49
